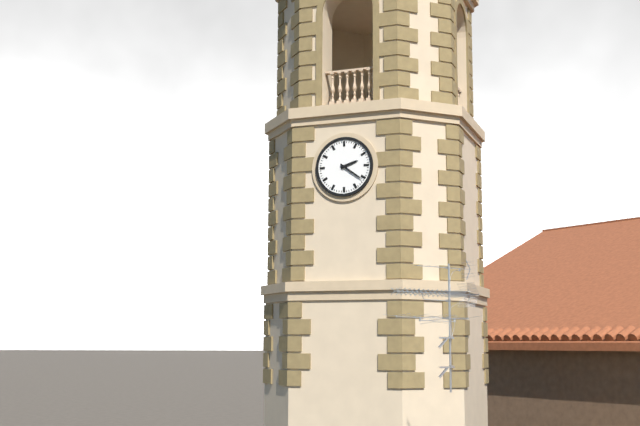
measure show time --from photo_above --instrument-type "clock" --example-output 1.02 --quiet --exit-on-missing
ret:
2.21
